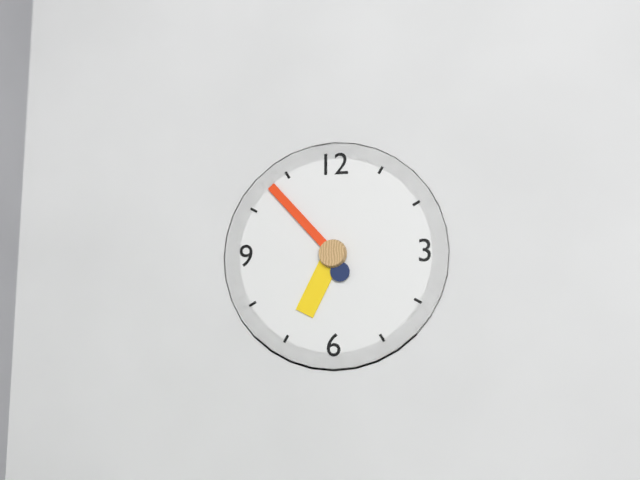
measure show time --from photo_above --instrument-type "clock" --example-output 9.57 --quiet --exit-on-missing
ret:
6.53
